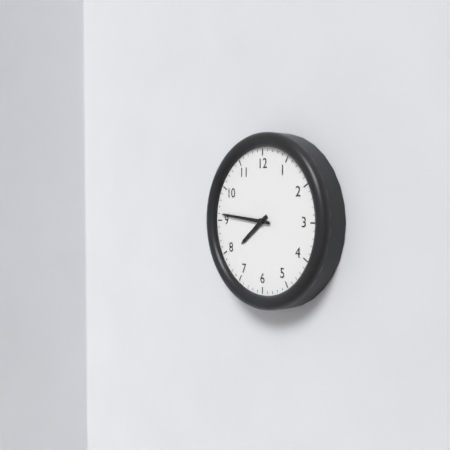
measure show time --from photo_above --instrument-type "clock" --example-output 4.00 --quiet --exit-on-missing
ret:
7.46
